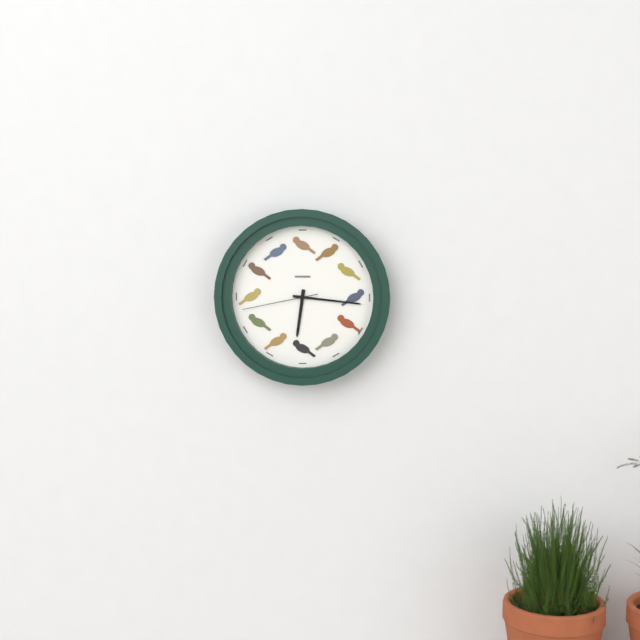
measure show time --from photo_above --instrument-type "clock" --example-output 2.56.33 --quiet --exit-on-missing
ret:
6.16.43
